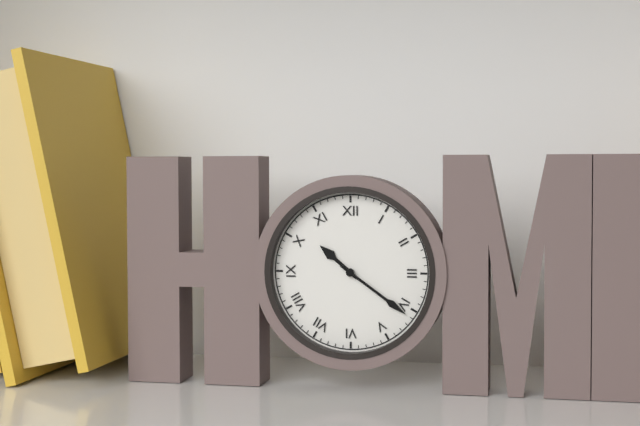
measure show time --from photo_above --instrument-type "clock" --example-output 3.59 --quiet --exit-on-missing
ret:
10.21
